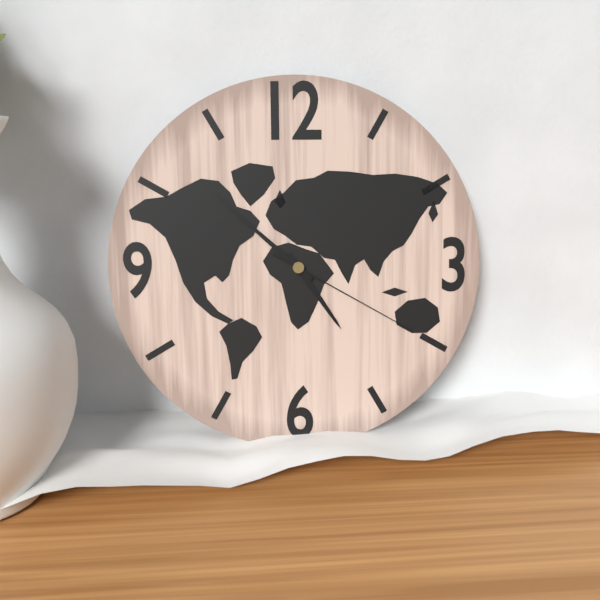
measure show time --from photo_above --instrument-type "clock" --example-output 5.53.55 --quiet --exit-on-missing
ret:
4.52.20
